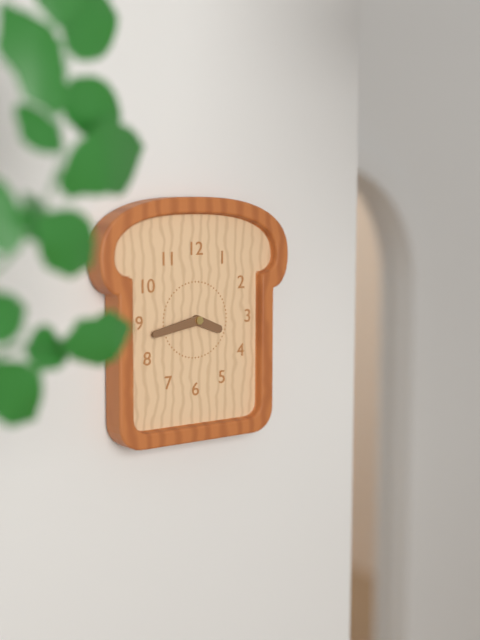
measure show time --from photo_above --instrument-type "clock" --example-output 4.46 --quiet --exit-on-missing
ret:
3.43
